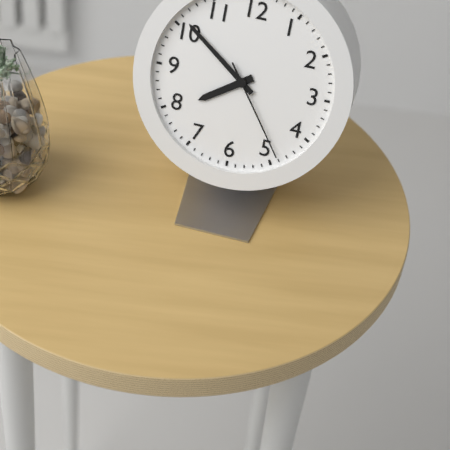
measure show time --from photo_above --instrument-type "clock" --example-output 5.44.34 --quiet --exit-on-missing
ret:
7.51.24
